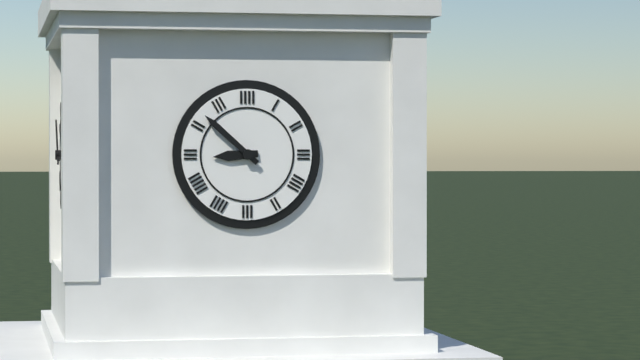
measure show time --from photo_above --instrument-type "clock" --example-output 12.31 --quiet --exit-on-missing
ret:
8.52
